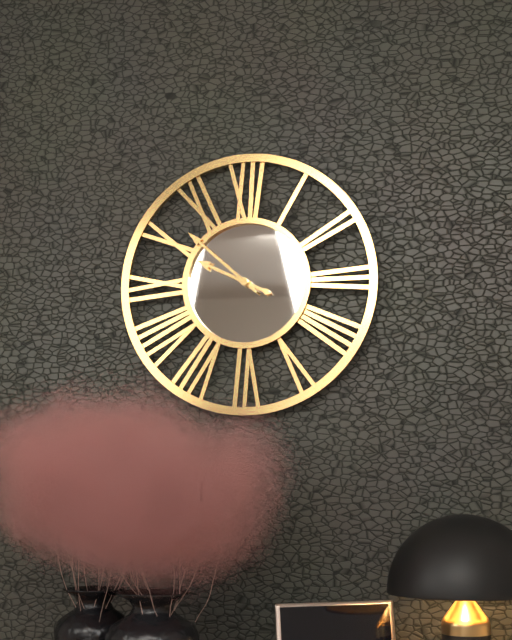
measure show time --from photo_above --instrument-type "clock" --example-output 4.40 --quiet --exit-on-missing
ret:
9.52
